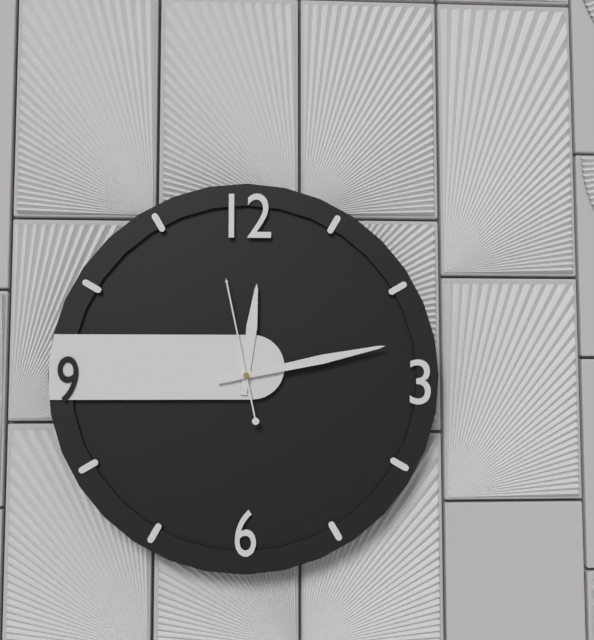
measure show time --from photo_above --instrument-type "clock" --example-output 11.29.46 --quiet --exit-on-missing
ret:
12.13.58
